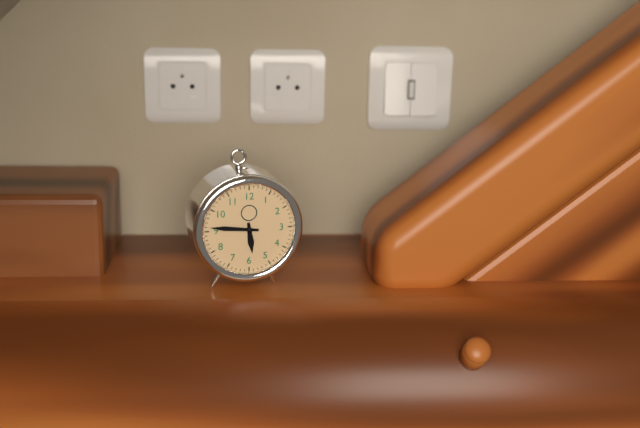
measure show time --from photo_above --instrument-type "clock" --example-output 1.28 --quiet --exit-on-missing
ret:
5.46
